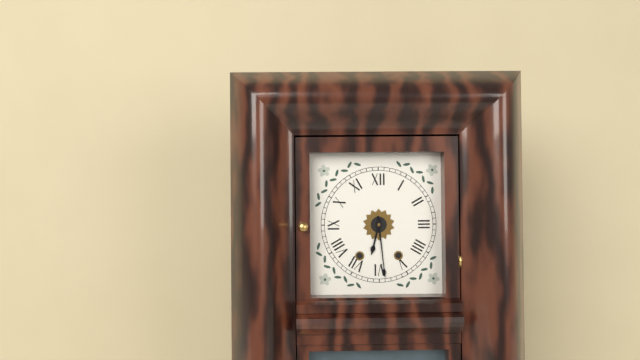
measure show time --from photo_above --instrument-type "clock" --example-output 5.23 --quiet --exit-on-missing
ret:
6.29
